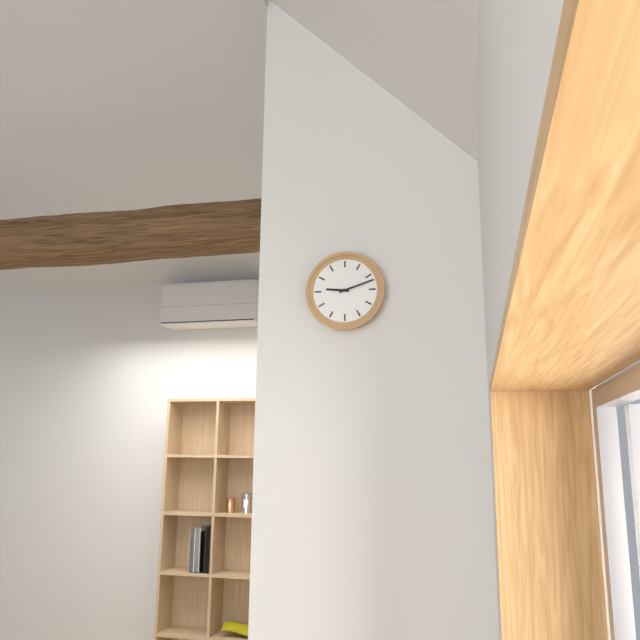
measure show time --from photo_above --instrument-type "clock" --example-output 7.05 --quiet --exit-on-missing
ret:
9.12
